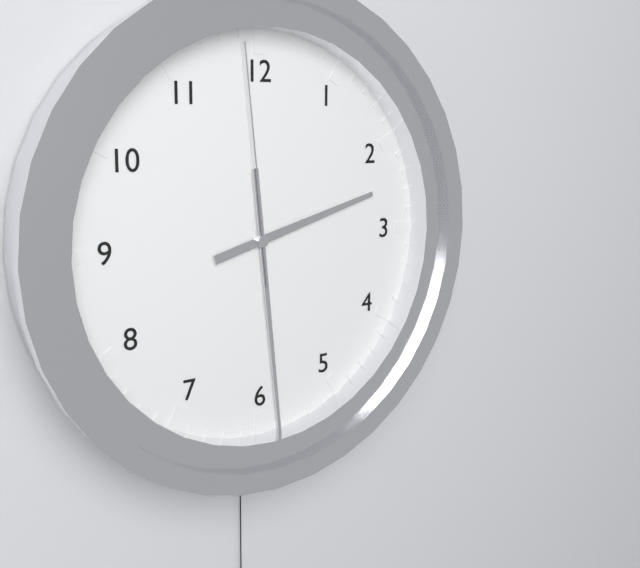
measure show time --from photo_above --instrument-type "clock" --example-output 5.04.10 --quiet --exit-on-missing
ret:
2.29.59
